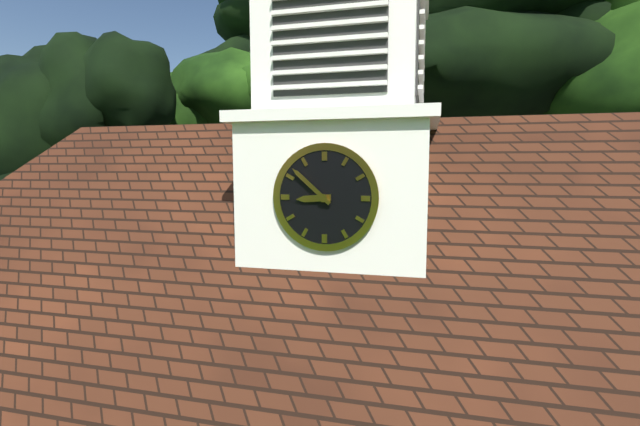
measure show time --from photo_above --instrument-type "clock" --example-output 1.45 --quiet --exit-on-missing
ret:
8.52
